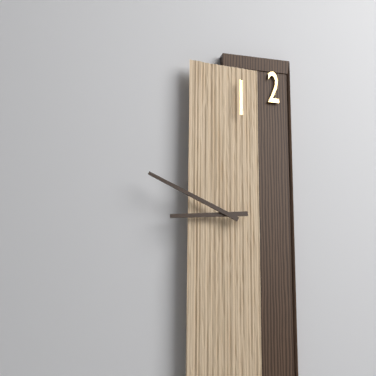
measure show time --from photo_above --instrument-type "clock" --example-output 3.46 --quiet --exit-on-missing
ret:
8.49
